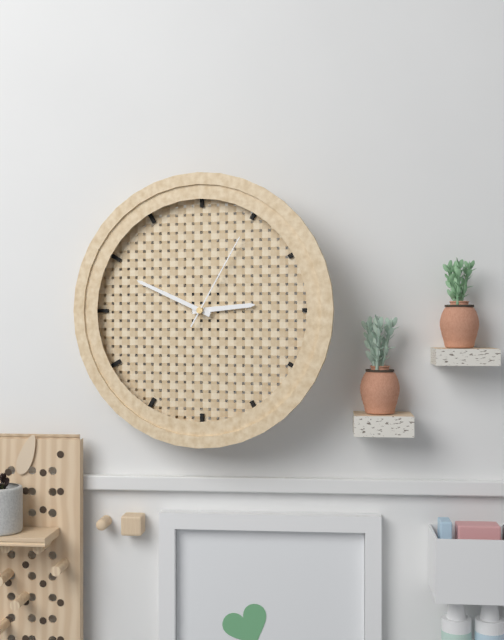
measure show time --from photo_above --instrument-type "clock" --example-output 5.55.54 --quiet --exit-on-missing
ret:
2.49.05
